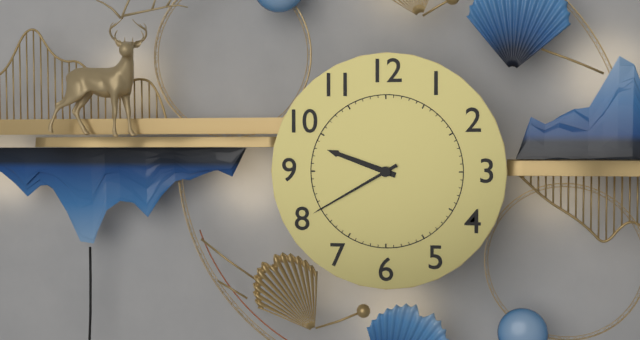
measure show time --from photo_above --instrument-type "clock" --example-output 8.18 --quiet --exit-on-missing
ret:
9.40
